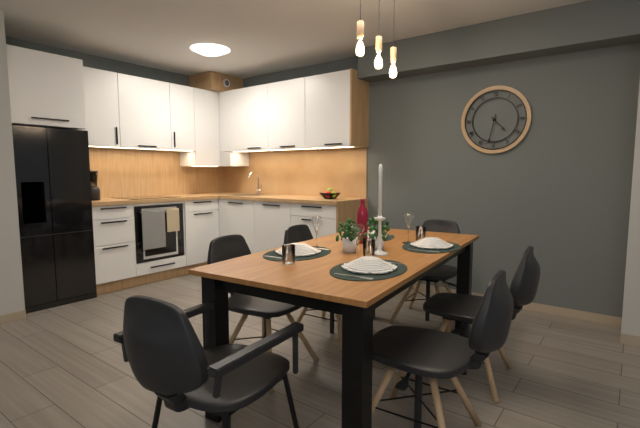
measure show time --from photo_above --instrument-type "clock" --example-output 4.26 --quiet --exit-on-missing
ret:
4.32
